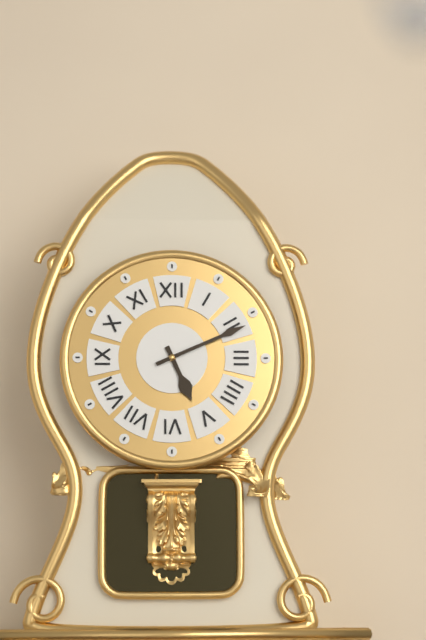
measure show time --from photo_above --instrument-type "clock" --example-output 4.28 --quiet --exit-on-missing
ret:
5.11
